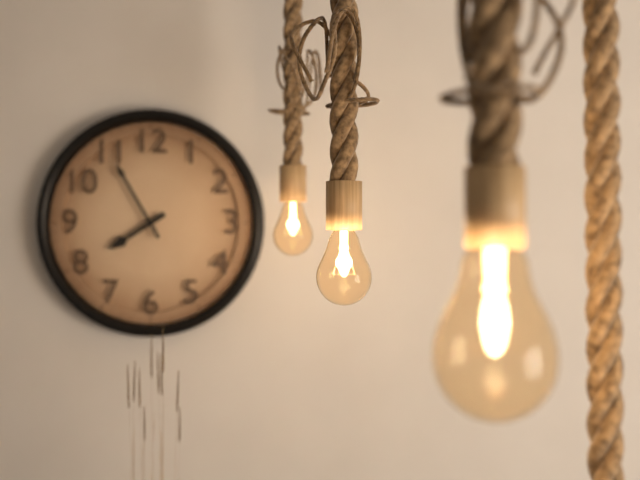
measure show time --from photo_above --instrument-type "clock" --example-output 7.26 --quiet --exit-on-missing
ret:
7.55
